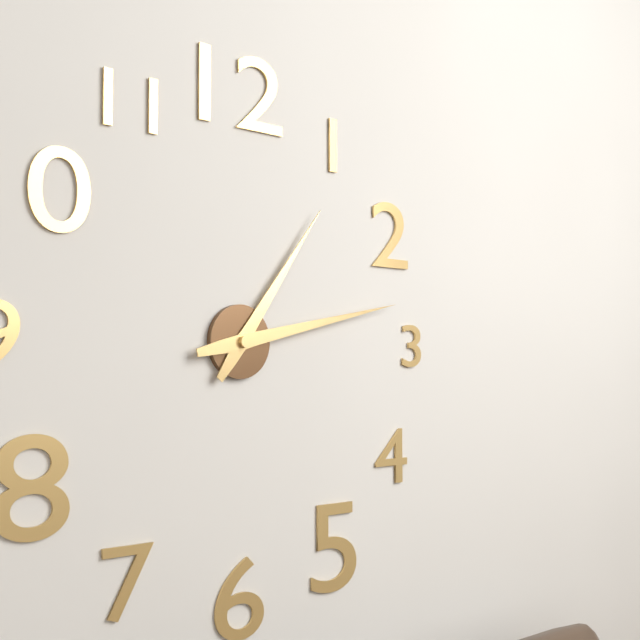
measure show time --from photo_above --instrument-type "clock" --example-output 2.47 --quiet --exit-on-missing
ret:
1.13
